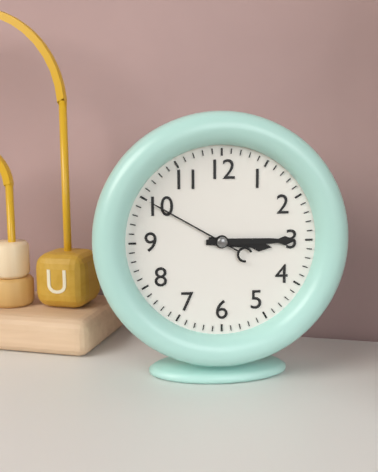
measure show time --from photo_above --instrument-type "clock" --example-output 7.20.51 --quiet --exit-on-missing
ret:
3.15.50
